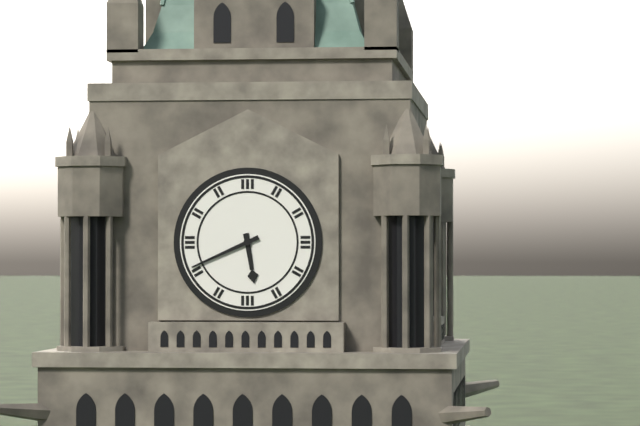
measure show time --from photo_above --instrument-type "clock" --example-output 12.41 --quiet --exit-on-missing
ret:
5.41
